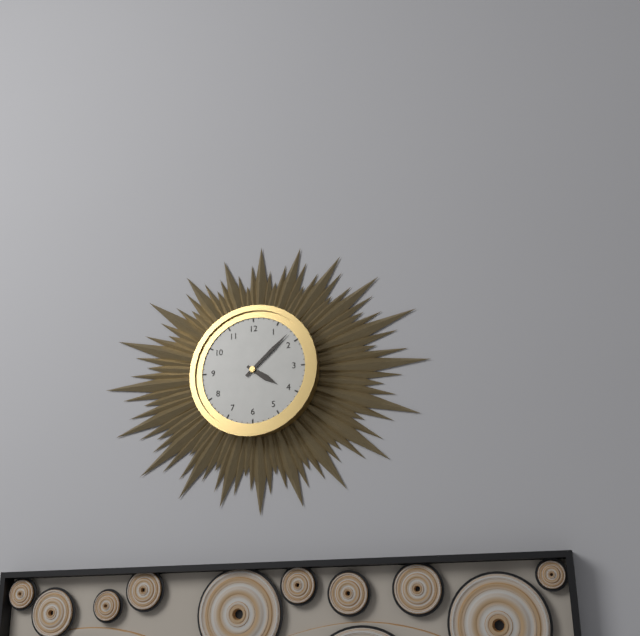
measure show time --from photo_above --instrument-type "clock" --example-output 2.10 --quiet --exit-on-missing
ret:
4.08
